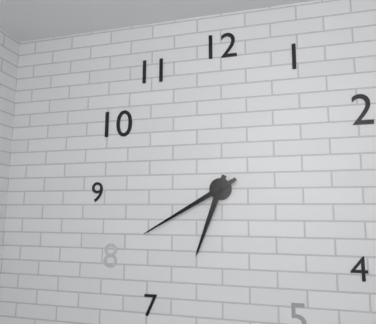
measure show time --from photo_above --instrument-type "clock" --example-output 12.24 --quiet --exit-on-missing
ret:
6.40
